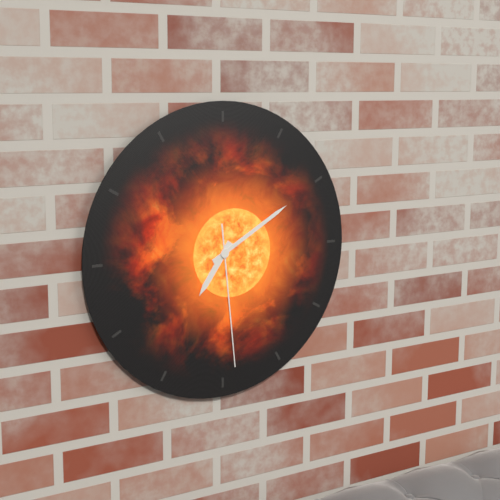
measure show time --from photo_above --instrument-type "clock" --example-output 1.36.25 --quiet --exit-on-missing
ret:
7.10.29
